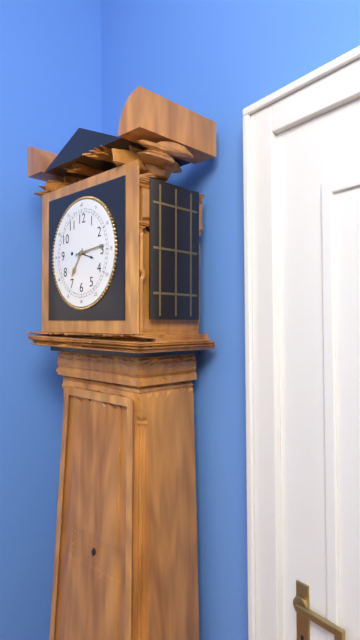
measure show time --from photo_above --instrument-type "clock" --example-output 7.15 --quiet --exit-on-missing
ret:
7.14
